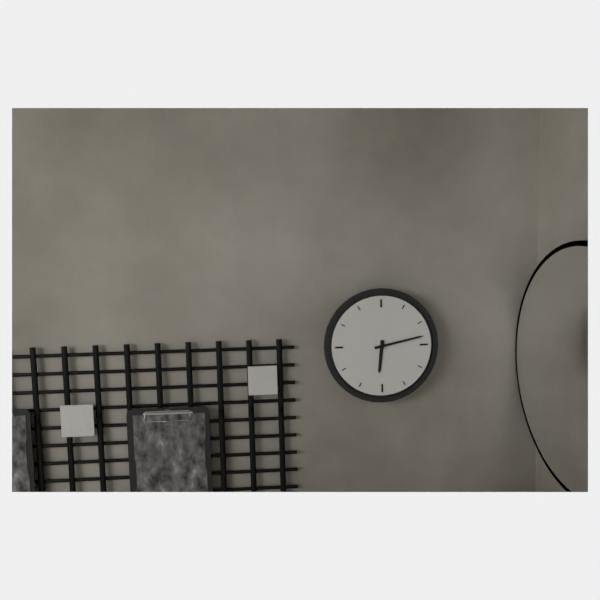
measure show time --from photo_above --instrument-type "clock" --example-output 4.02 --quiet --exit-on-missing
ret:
6.13
